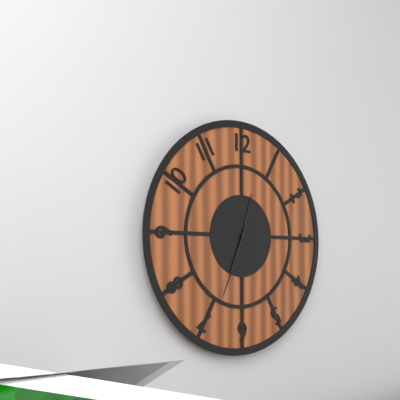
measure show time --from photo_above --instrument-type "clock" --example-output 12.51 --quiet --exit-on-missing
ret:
12.34
